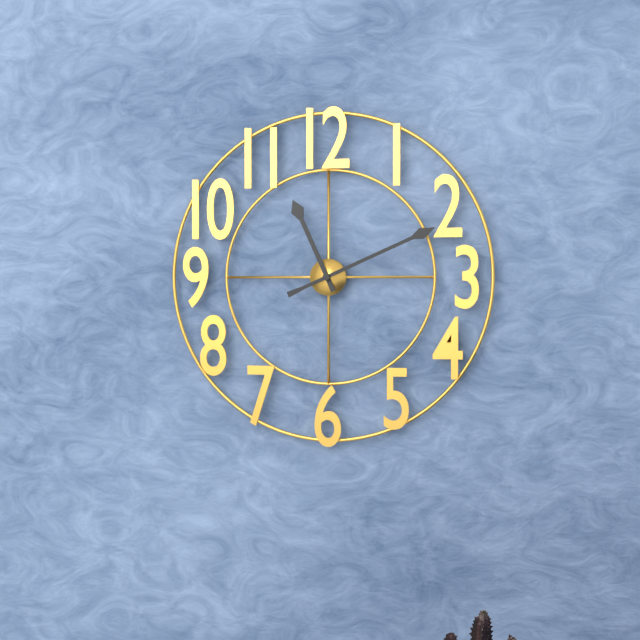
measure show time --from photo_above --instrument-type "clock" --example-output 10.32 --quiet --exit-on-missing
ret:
11.11
